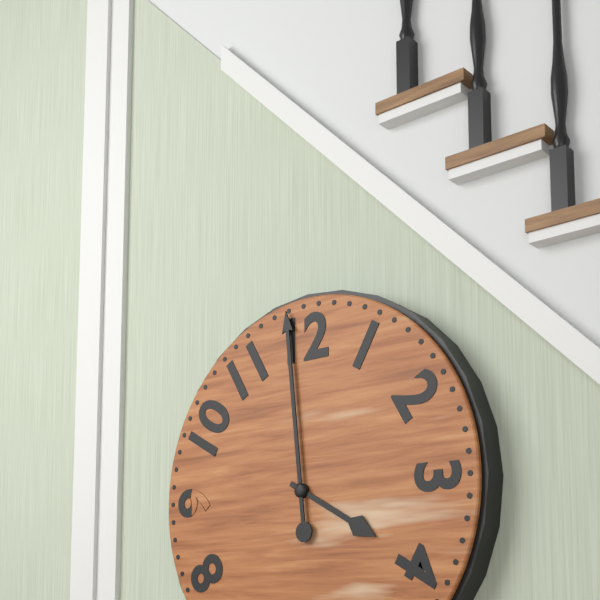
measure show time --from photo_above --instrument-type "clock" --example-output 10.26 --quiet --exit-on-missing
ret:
3.59
